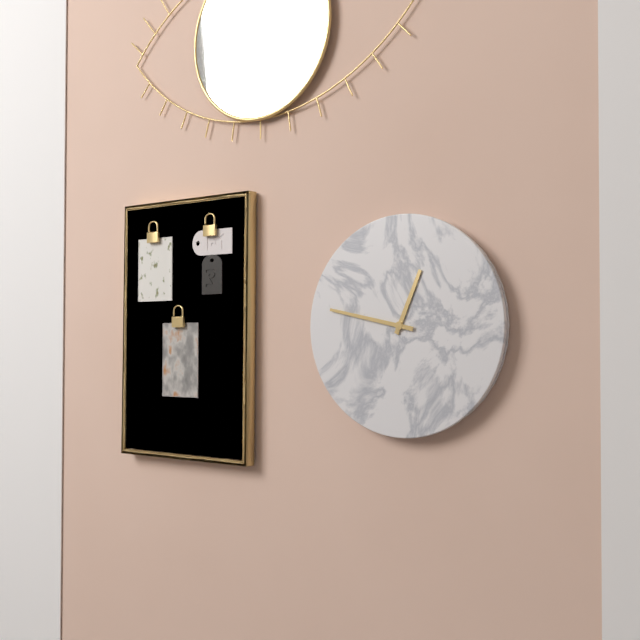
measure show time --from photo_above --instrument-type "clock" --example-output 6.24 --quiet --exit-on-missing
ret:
12.47
